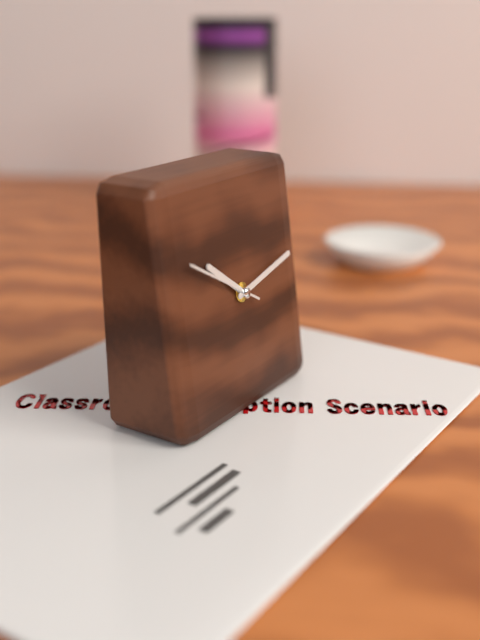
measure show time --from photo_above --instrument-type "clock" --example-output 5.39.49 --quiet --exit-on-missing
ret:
10.13.50
